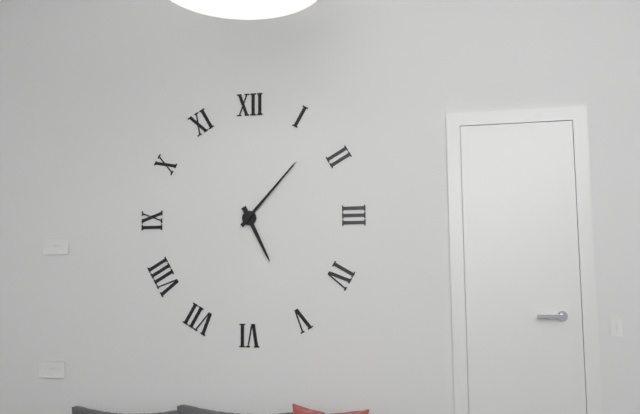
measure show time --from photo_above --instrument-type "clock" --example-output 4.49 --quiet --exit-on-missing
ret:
5.07
